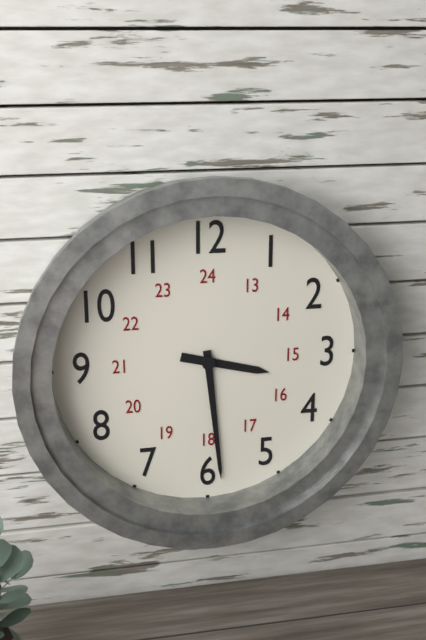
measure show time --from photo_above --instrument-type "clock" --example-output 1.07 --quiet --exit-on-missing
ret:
3.29
